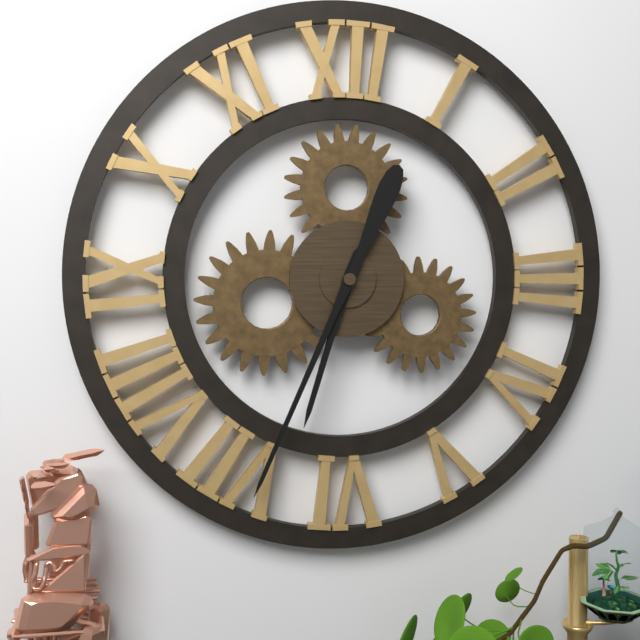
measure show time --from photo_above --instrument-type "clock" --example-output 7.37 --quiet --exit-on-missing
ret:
6.34
